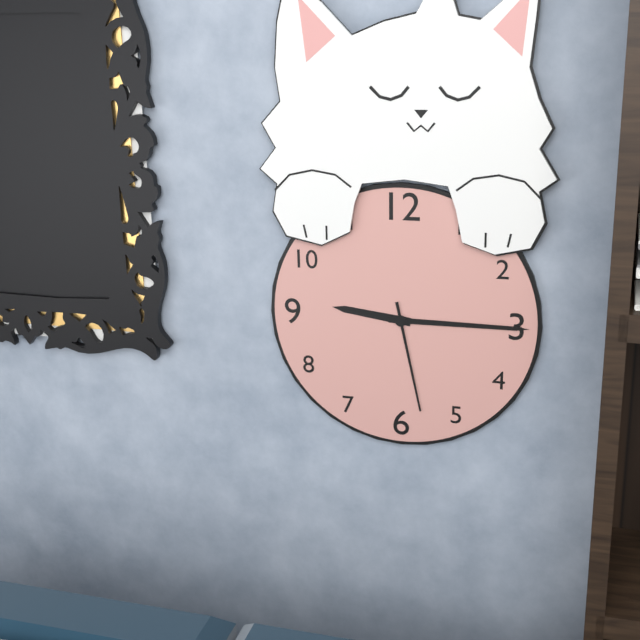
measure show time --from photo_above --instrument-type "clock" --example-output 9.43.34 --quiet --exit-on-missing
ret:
9.15.28
